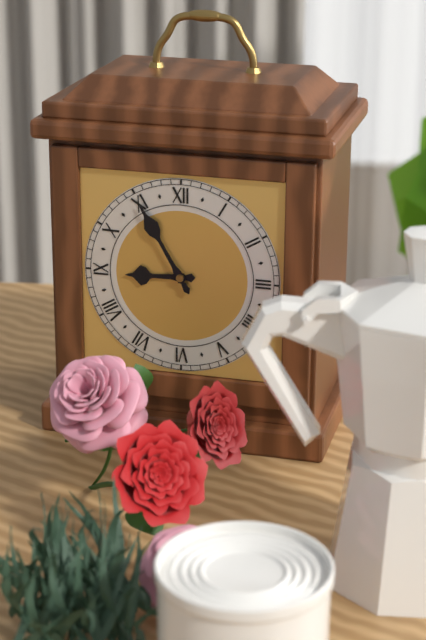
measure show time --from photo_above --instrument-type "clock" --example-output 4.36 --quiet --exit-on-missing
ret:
8.55
